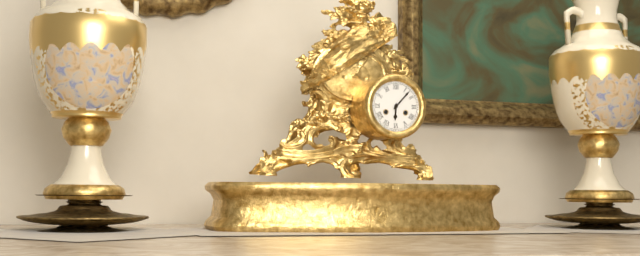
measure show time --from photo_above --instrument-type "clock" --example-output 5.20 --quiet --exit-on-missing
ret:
6.07
